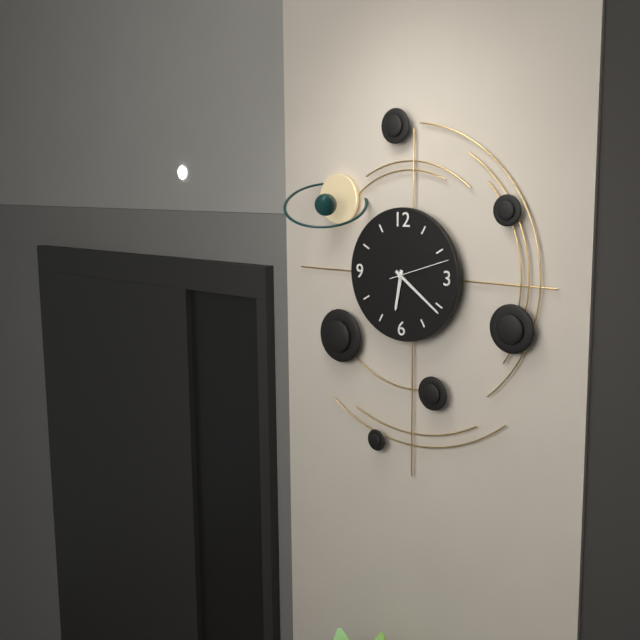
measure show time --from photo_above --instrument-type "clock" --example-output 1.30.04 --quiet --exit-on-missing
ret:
6.21.12
